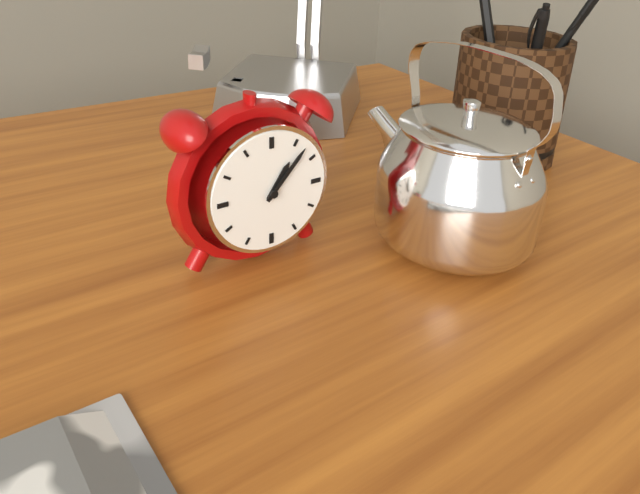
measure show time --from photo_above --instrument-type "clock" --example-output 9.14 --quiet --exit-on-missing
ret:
1.07
